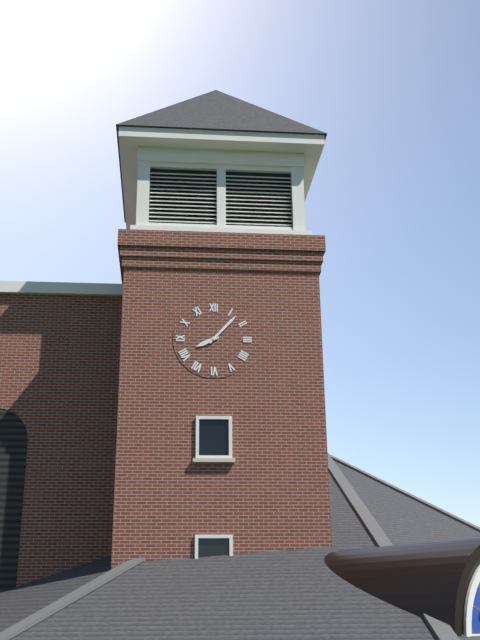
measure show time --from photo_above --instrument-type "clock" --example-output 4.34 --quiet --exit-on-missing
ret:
8.07
